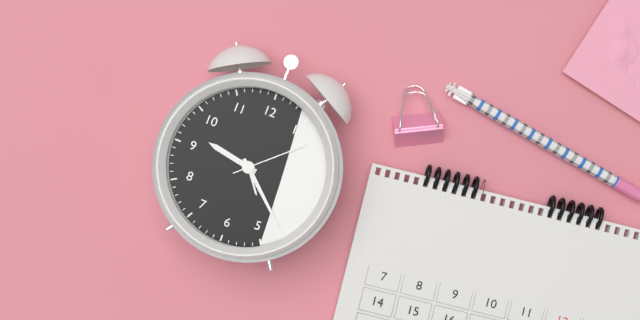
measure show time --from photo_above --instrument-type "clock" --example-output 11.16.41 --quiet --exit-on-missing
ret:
9.22.08
